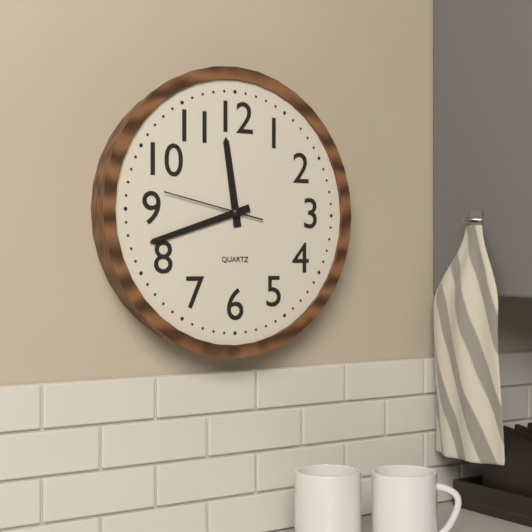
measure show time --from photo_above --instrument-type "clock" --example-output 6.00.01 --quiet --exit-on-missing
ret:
11.42.47
